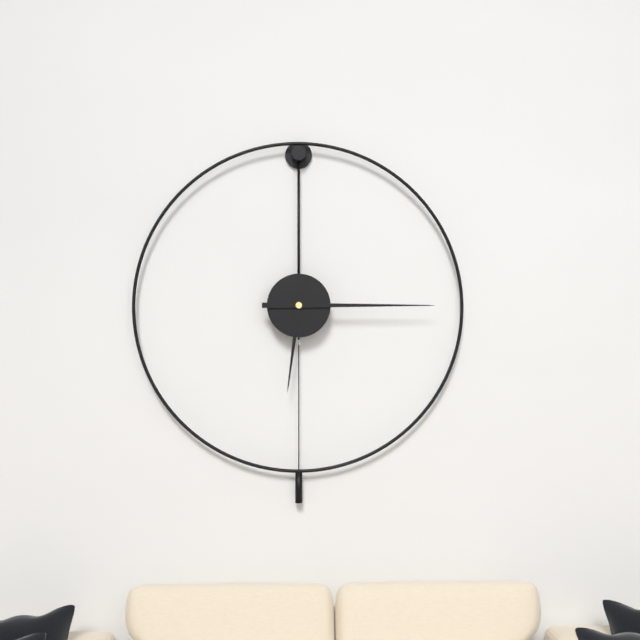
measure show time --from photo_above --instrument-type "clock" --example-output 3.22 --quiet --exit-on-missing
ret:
6.15
